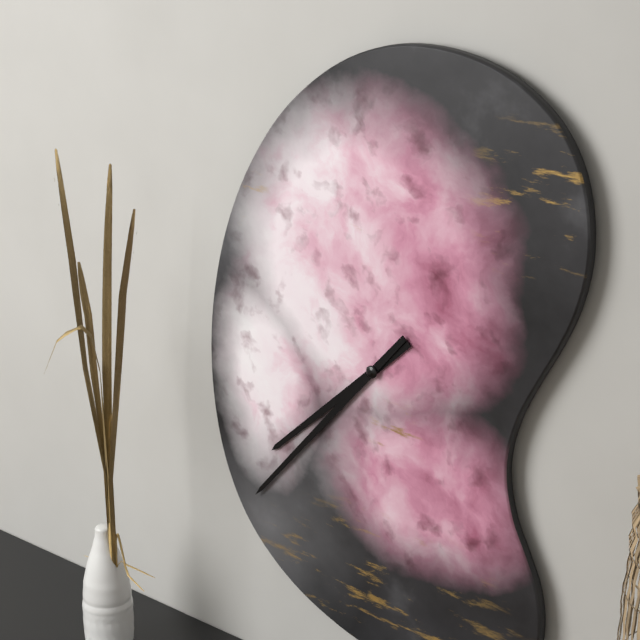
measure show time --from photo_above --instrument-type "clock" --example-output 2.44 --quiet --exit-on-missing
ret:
7.37
